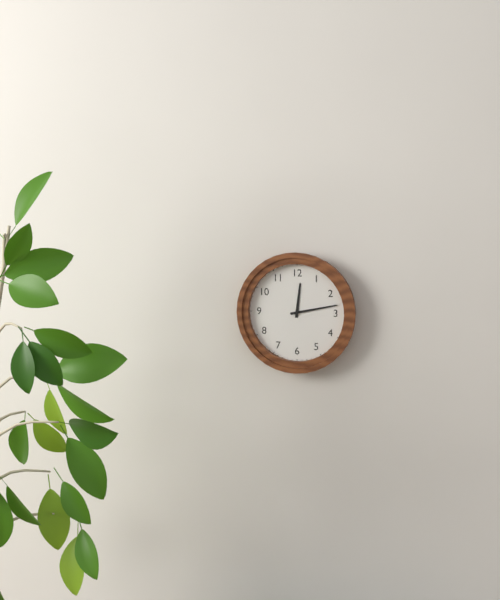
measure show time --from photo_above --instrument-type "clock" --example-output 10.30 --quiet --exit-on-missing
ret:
12.13
